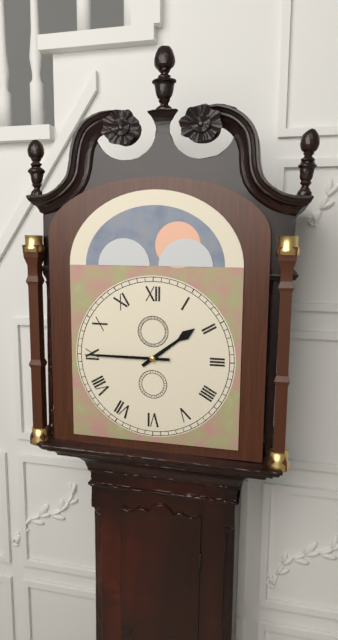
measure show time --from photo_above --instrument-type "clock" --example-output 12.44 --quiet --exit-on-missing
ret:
1.45
